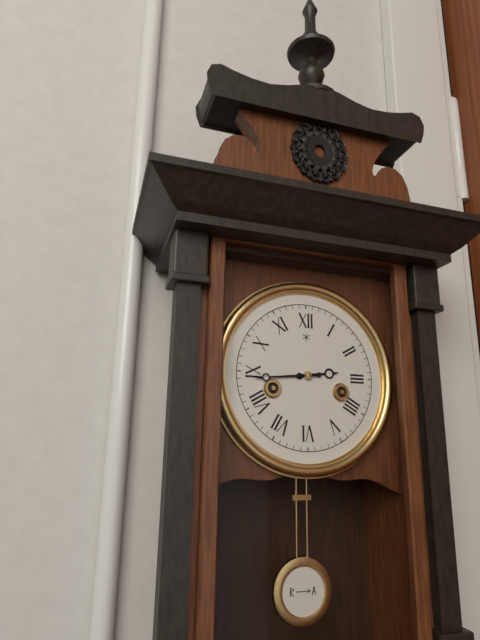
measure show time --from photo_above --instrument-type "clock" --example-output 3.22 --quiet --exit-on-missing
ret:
2.44
